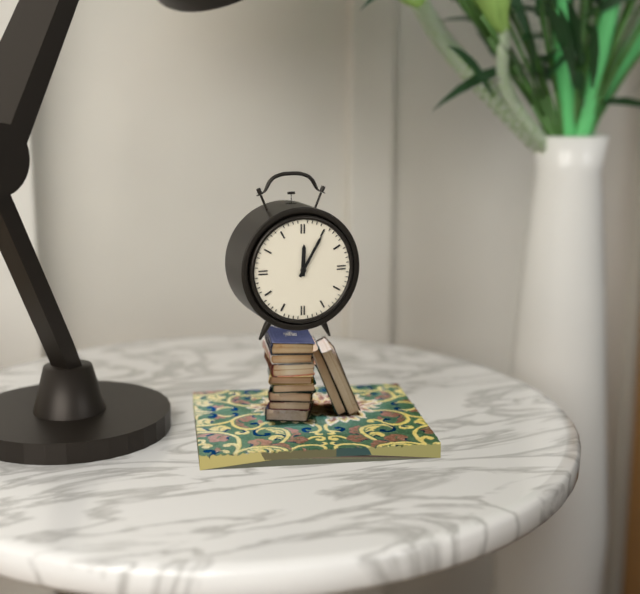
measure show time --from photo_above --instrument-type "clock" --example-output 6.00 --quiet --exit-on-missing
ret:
12.05
